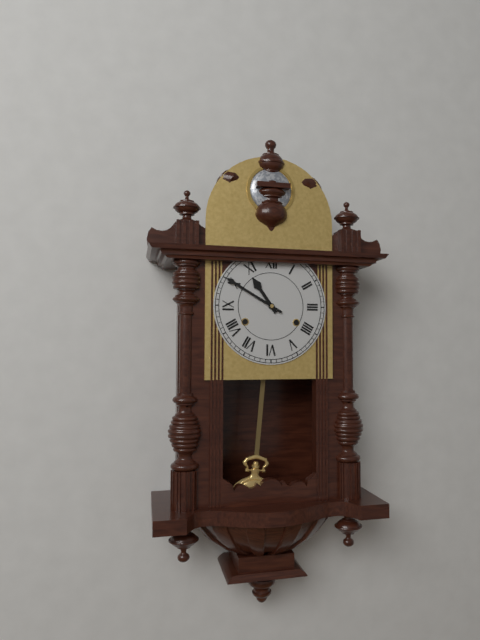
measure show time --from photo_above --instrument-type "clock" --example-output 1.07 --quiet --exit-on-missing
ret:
10.50
